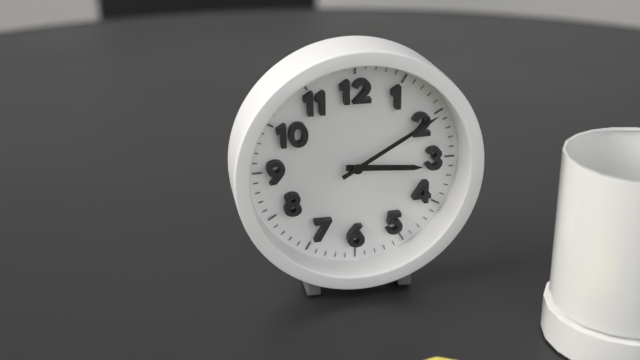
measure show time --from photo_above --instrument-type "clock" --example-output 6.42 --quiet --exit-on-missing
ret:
3.10
